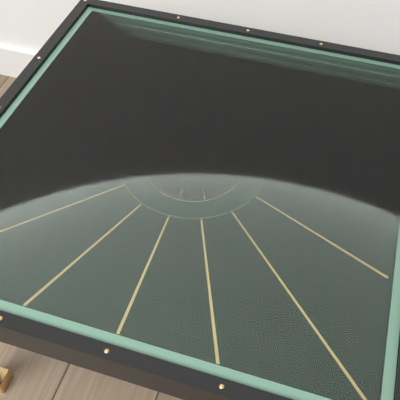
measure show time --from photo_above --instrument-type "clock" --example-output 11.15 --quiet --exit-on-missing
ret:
11.12
